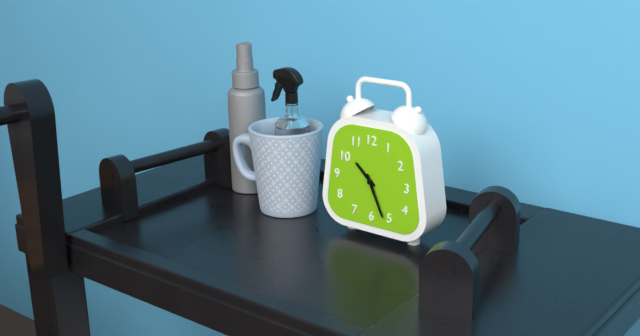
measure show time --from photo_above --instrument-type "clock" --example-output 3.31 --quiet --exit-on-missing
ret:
10.26
